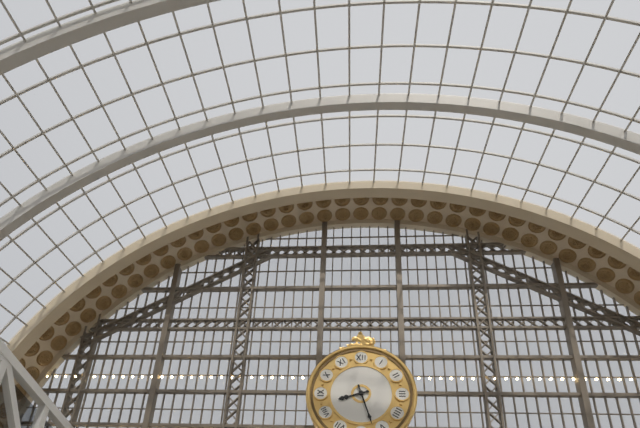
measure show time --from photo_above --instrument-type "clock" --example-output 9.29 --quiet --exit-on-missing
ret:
8.27
